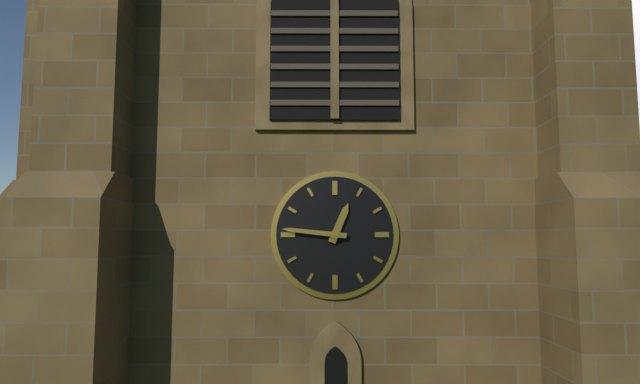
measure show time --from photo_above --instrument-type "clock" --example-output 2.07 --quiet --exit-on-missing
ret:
12.46
